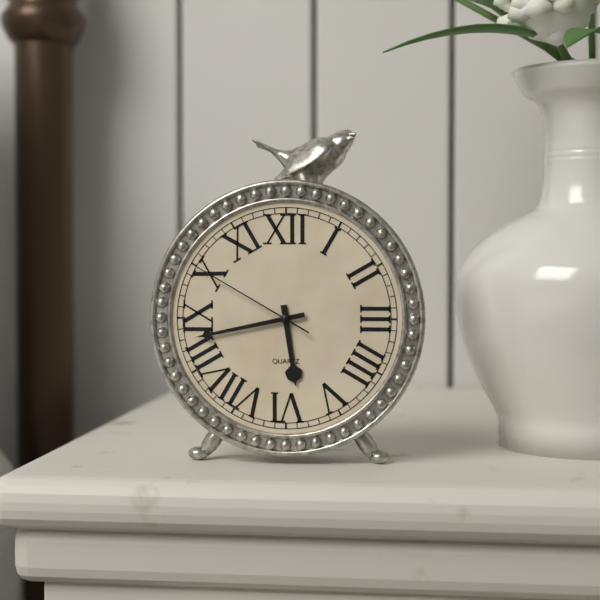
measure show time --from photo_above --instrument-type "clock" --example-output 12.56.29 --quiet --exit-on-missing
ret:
5.43.50
